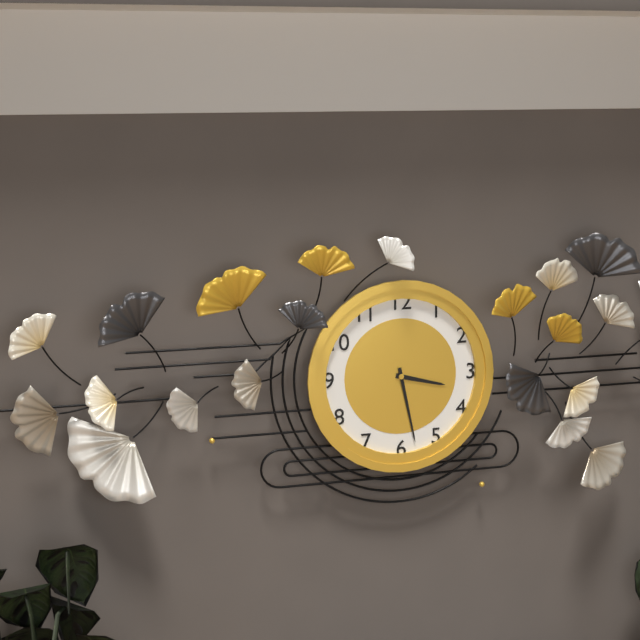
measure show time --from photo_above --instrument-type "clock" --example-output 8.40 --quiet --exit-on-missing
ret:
3.28
